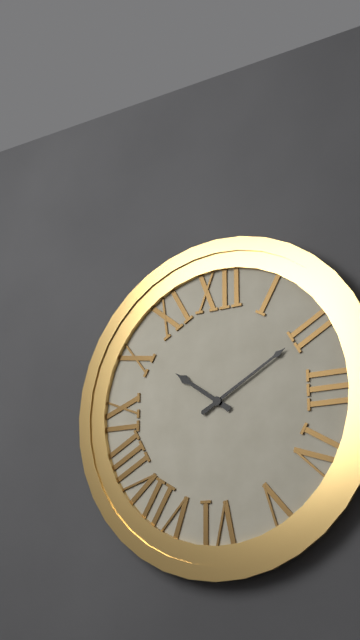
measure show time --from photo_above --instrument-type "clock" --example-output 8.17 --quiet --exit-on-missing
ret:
10.10
